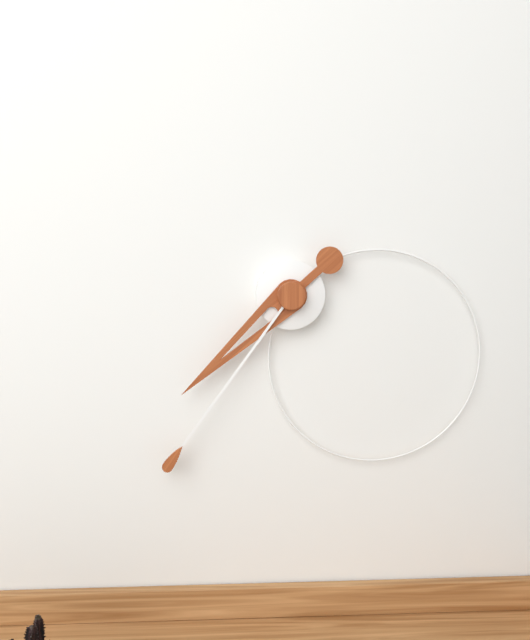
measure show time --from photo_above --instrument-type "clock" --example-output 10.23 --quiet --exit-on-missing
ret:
7.36
